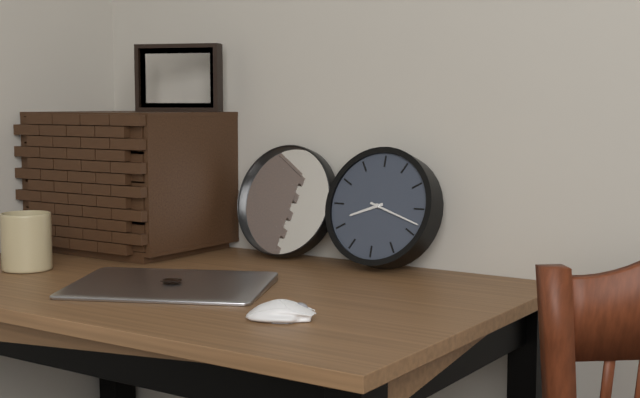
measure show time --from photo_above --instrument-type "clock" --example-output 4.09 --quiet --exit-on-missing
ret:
8.18
